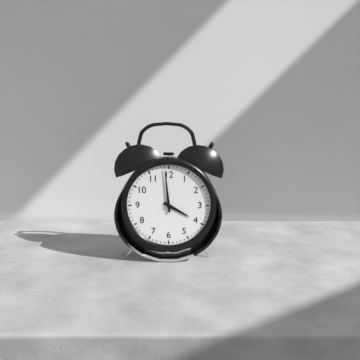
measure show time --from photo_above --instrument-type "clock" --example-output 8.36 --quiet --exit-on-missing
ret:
3.59
